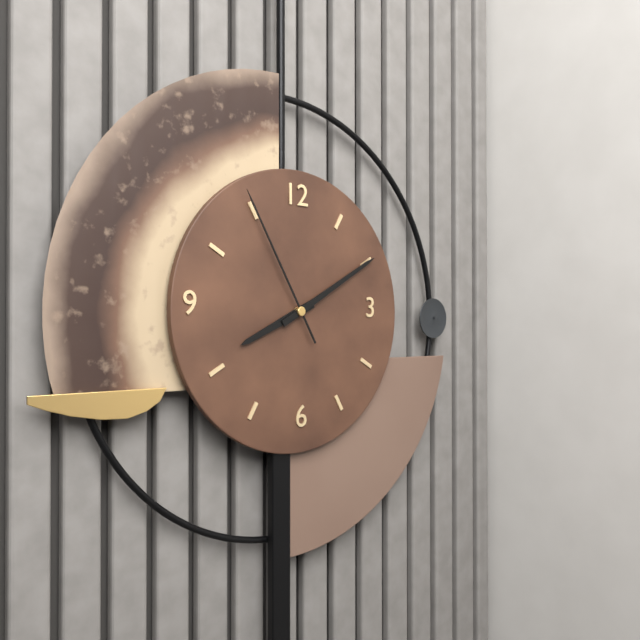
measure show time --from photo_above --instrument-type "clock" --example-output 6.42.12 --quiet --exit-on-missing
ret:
8.10.55
